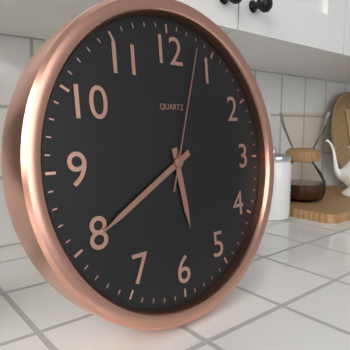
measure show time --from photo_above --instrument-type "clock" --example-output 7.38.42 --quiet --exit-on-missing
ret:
5.40.03
